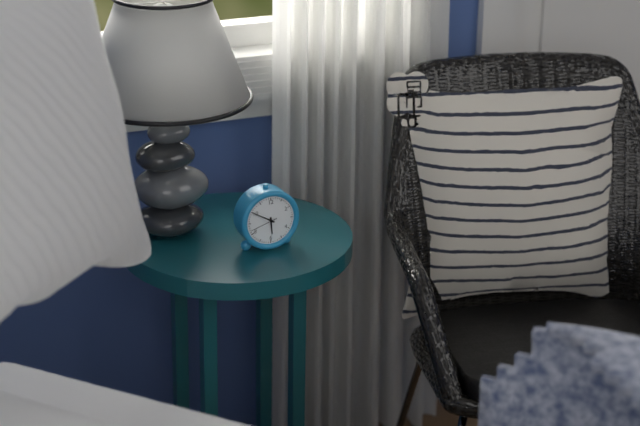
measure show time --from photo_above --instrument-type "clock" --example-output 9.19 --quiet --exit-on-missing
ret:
5.50
